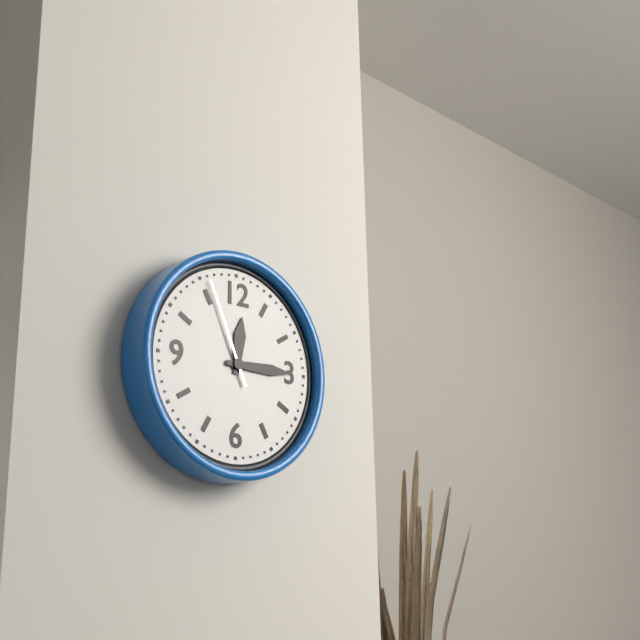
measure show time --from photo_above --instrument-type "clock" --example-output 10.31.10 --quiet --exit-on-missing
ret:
12.15.56
